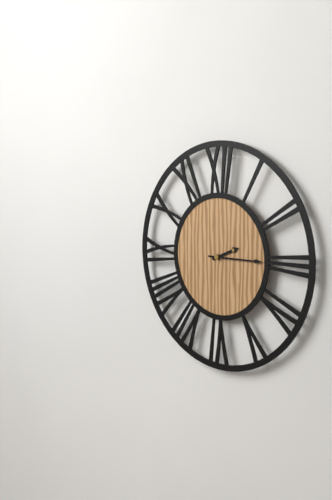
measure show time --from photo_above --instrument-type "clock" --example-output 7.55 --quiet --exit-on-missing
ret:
2.15
